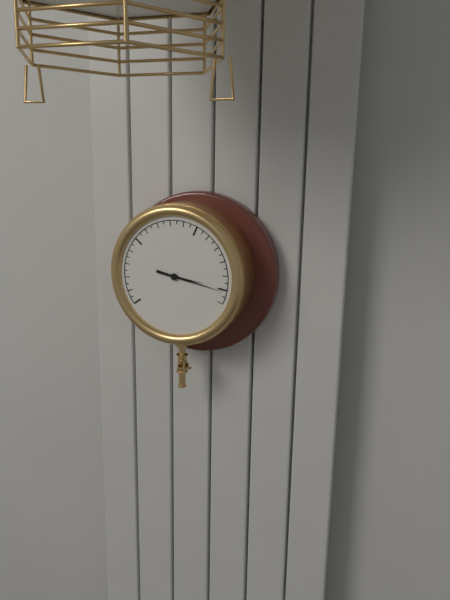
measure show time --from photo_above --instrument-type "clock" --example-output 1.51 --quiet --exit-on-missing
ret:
3.17
